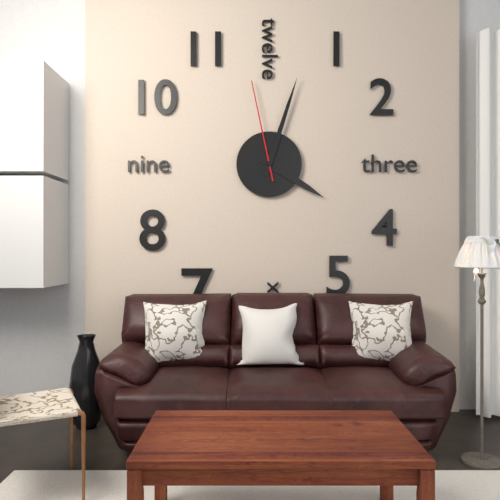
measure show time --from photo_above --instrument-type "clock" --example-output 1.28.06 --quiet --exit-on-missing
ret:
4.03.58
